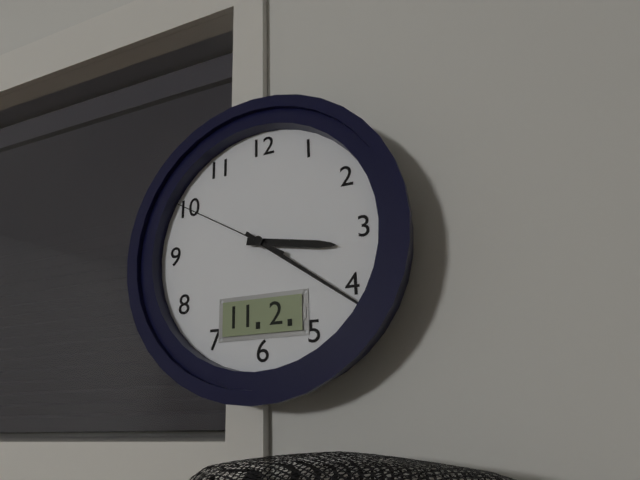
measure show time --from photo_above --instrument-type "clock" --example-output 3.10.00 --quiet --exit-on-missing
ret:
3.21.50
